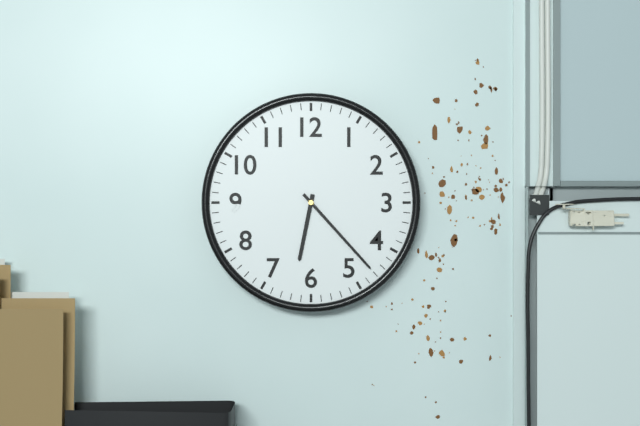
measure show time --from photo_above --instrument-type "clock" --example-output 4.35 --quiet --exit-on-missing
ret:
6.23
